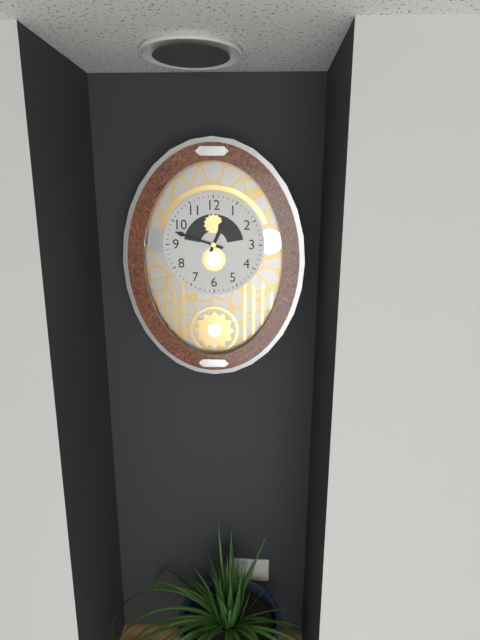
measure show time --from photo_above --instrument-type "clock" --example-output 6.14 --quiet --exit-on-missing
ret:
12.48
